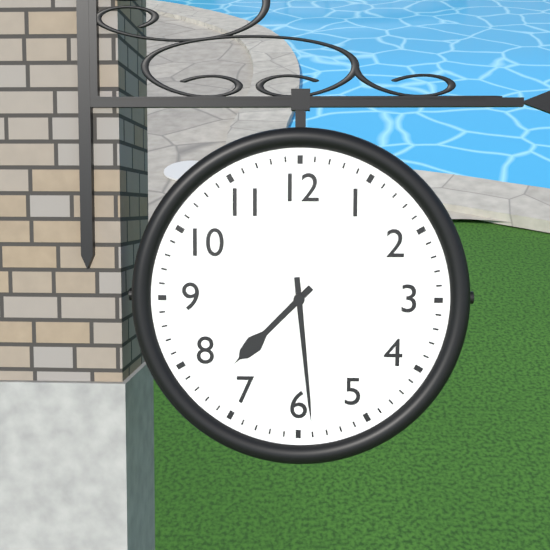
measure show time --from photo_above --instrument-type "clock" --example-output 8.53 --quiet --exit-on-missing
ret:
7.29
